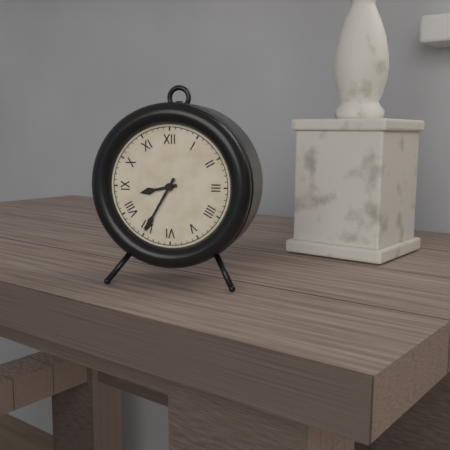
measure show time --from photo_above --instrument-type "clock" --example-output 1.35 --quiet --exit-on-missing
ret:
8.35
